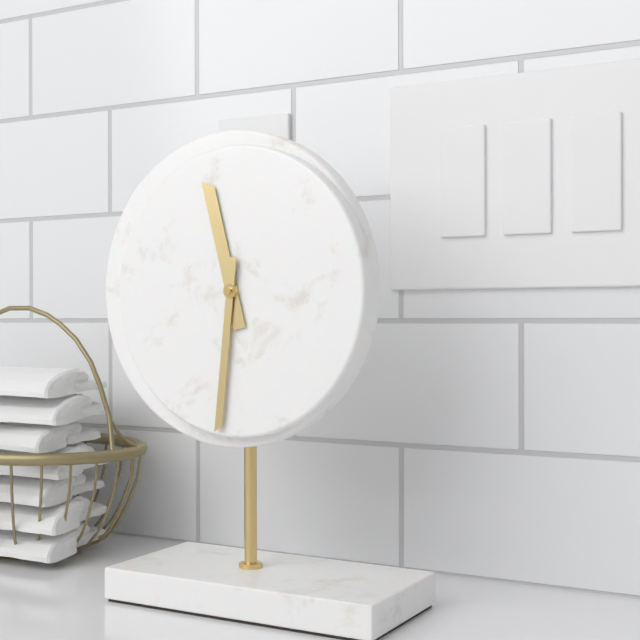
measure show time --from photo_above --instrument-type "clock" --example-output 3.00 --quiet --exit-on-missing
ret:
11.31
